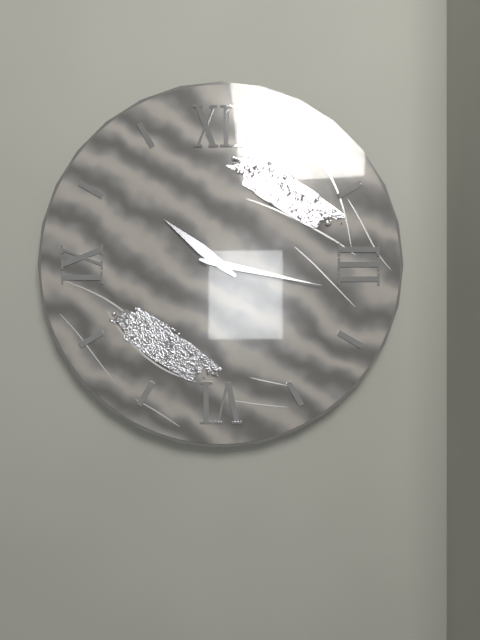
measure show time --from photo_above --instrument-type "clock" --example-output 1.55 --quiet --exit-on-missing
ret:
10.17
